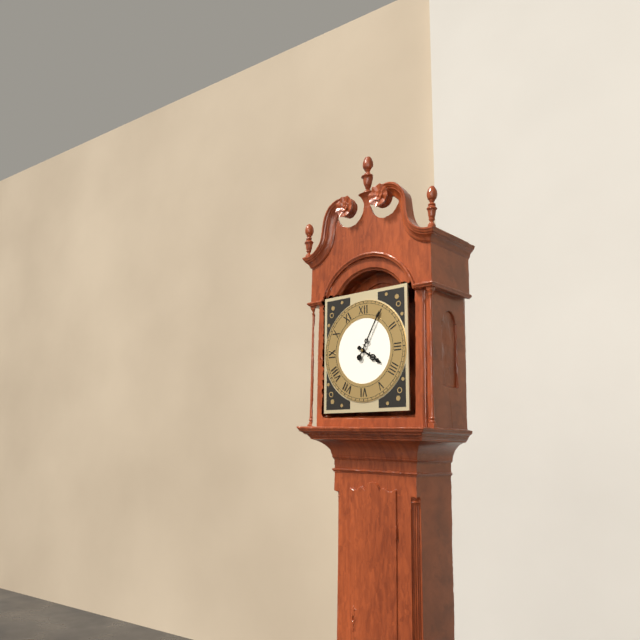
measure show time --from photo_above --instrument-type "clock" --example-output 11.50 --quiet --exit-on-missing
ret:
4.05
